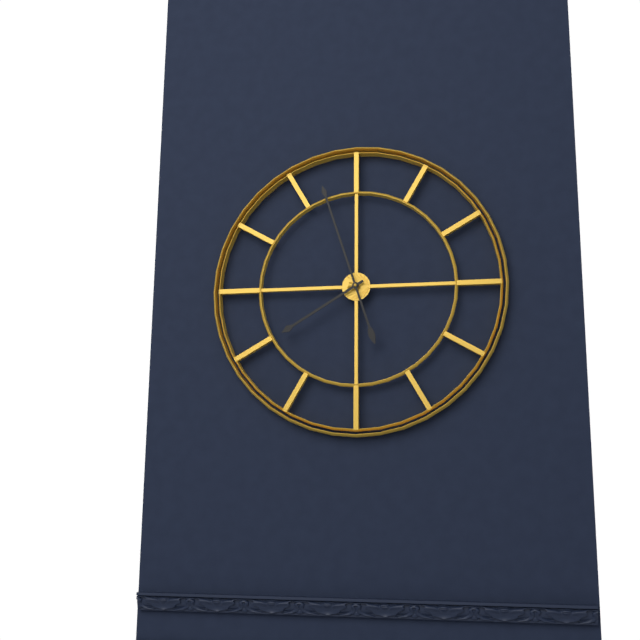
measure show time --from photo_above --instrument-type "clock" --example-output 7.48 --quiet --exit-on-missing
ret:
7.57
